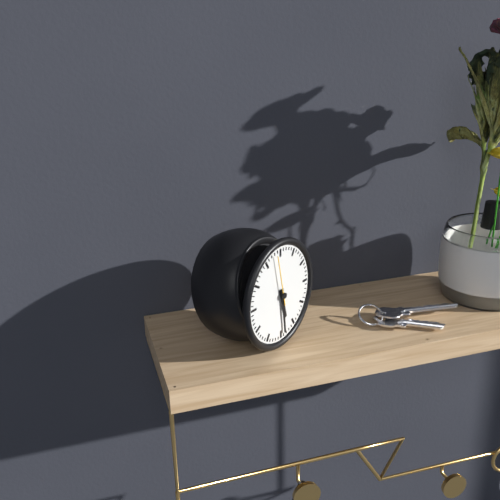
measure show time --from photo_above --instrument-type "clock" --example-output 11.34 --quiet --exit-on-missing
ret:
5.29
